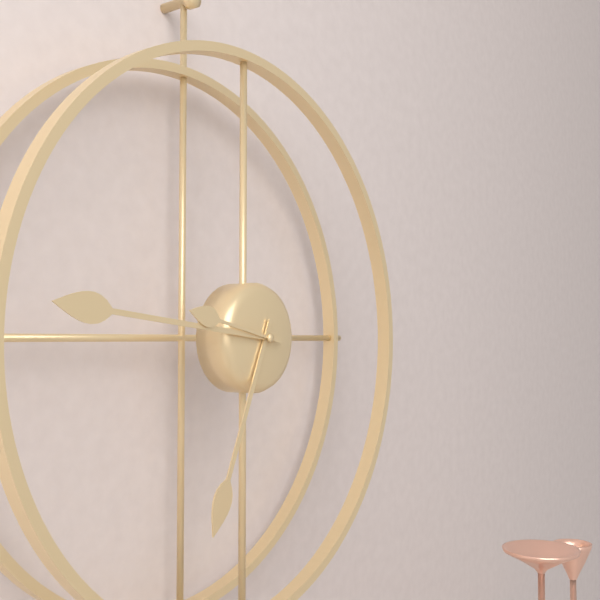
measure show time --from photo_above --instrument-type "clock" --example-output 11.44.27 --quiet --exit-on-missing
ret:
6.46.47
